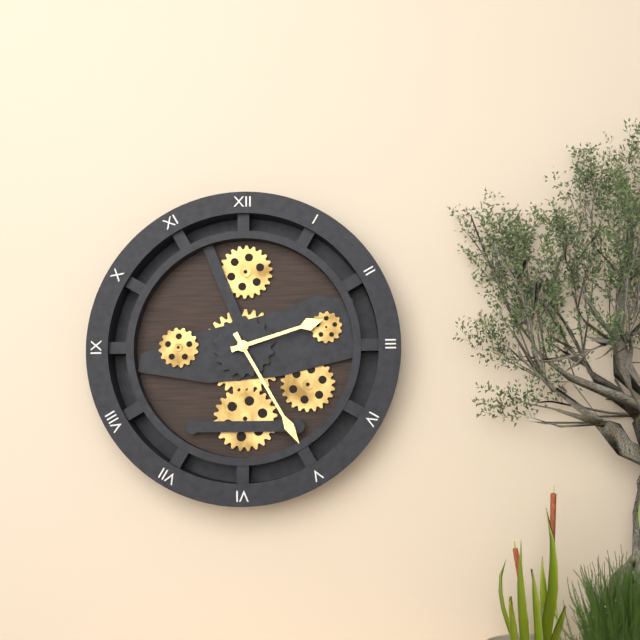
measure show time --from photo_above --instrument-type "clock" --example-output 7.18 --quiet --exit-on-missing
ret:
2.25
